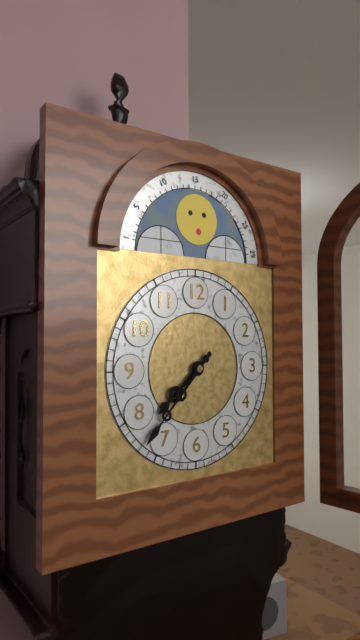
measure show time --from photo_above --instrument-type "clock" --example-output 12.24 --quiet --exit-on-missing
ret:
7.37
